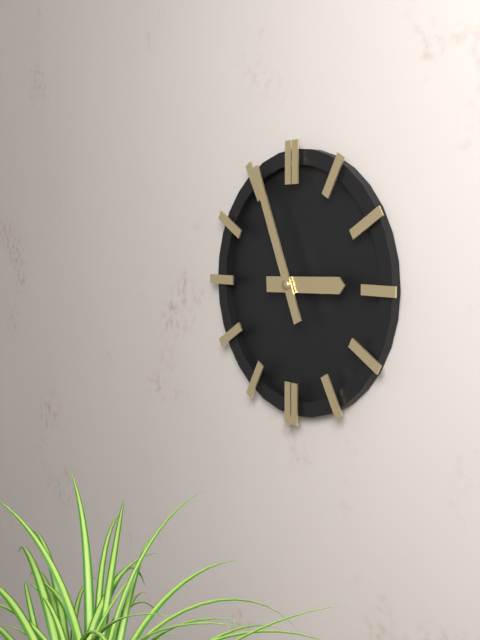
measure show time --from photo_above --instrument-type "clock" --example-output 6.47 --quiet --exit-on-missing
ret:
2.56
